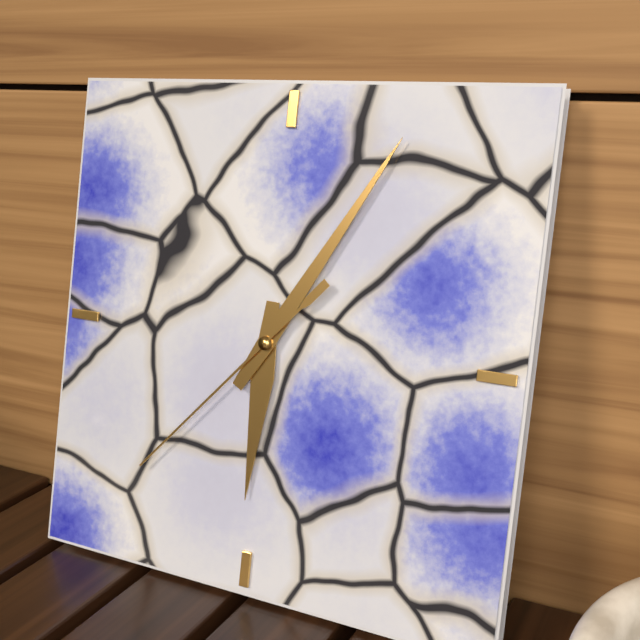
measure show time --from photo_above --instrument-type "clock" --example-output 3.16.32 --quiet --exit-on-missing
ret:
6.05.37
